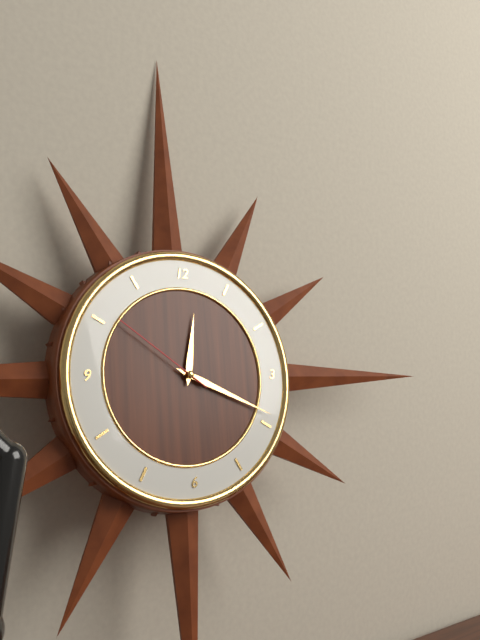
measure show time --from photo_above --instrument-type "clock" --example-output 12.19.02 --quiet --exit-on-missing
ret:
12.19.51
